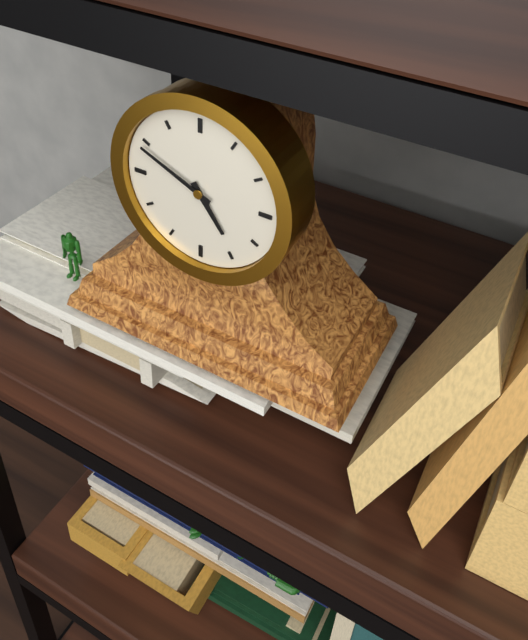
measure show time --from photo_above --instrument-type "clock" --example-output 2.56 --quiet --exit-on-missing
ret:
4.49
